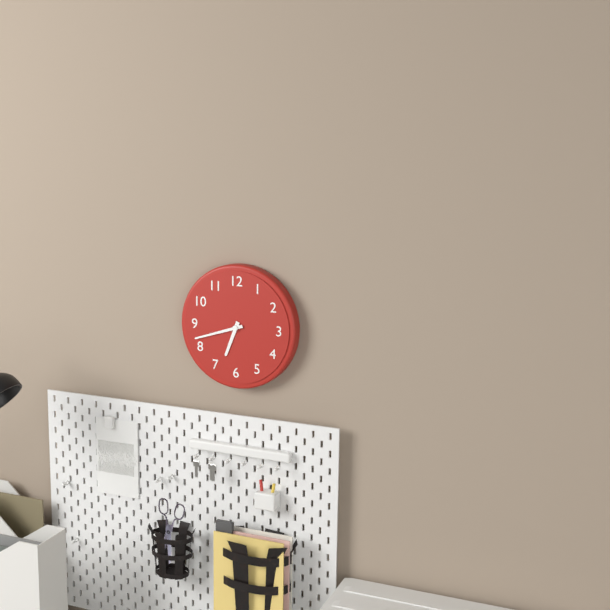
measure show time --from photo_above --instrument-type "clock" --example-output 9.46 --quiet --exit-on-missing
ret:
6.42
